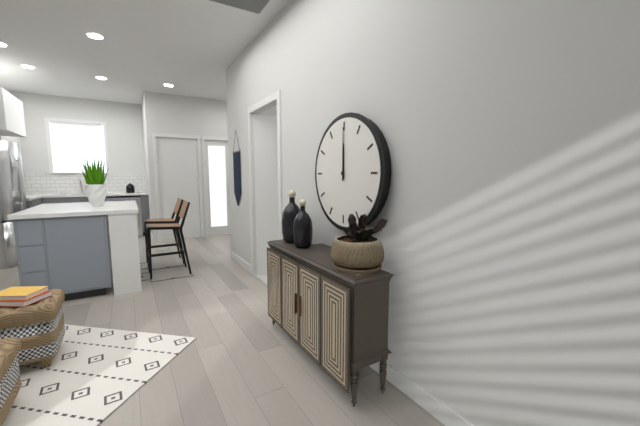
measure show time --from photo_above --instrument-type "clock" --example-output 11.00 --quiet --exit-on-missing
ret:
12.00
